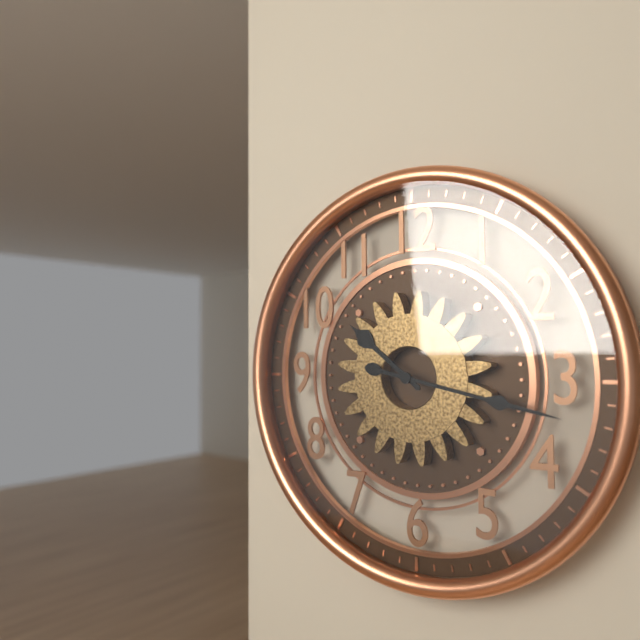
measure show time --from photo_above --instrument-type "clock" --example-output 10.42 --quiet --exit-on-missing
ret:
10.17
